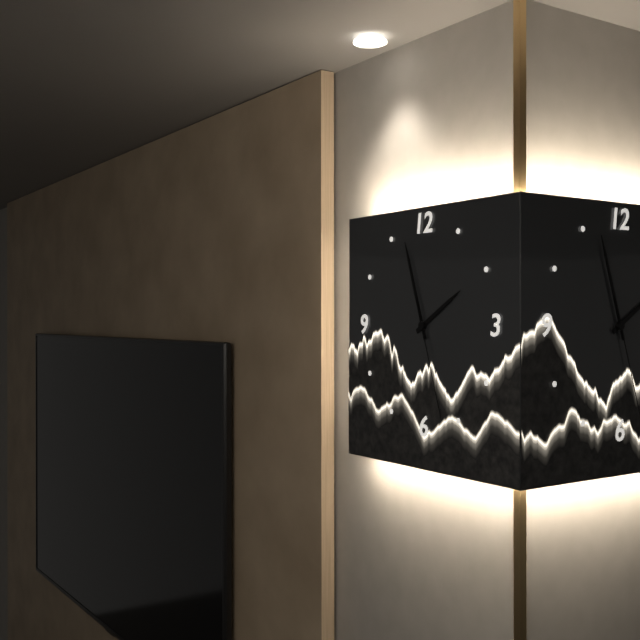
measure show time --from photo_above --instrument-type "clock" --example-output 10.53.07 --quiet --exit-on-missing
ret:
1.57.27
